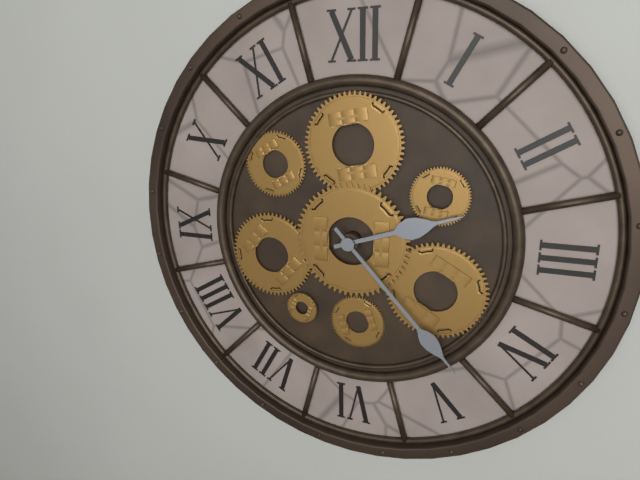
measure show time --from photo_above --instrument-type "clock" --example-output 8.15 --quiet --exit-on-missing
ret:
2.23
